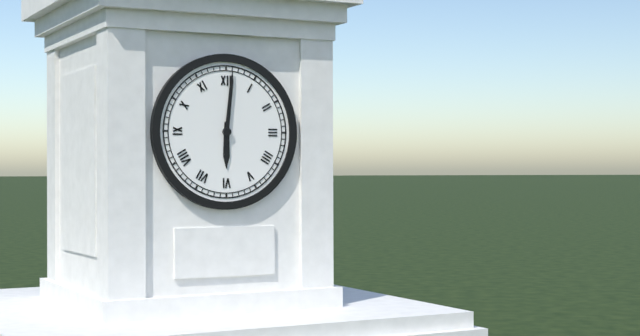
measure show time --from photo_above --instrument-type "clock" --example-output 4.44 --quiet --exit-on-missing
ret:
6.01
